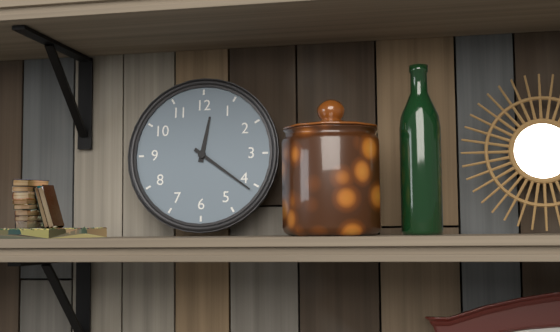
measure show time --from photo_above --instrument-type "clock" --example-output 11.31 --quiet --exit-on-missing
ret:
12.21
